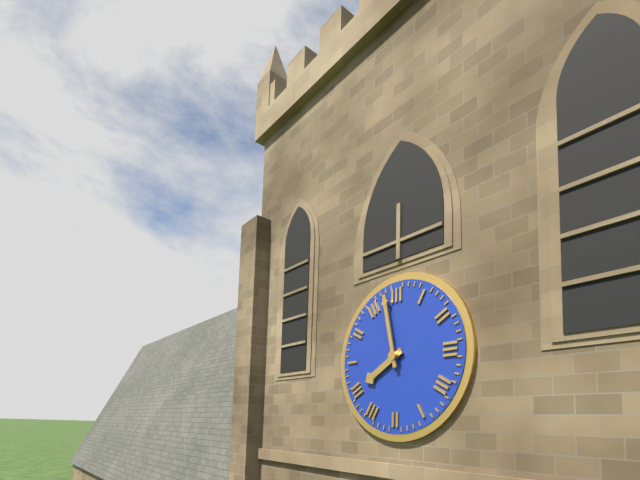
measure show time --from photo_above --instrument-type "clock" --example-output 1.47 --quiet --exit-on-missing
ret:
7.58
